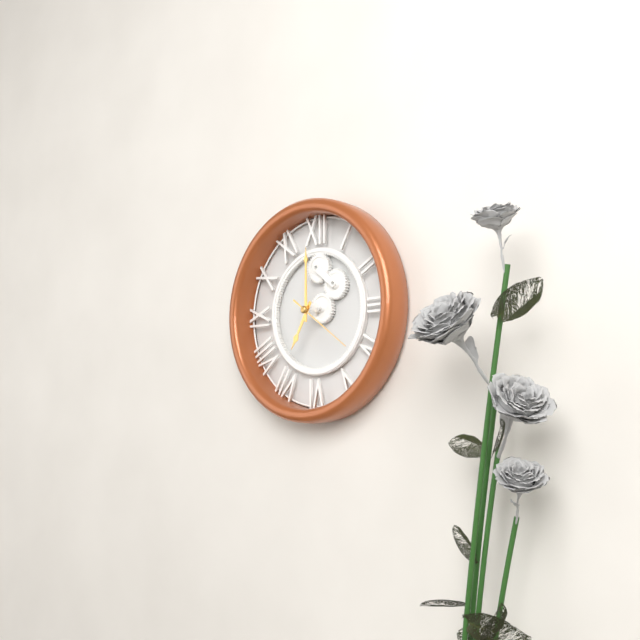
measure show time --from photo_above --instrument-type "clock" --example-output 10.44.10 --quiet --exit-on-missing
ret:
7.00.21
